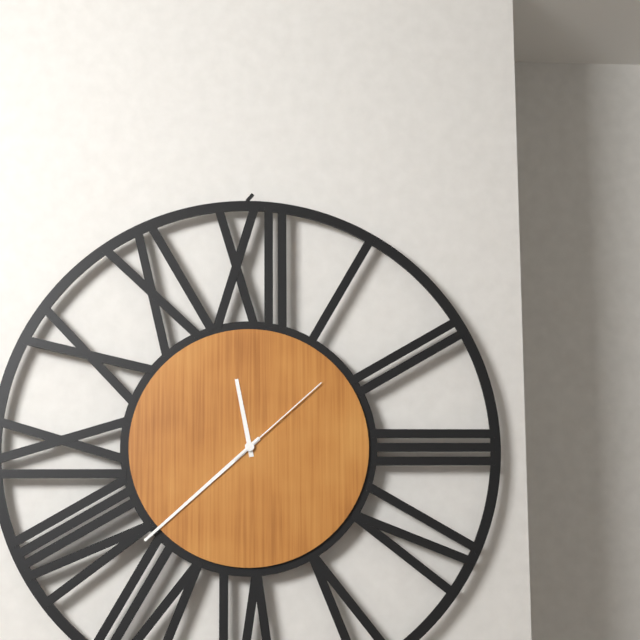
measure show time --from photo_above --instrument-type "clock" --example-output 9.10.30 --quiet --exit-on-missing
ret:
11.38.08
